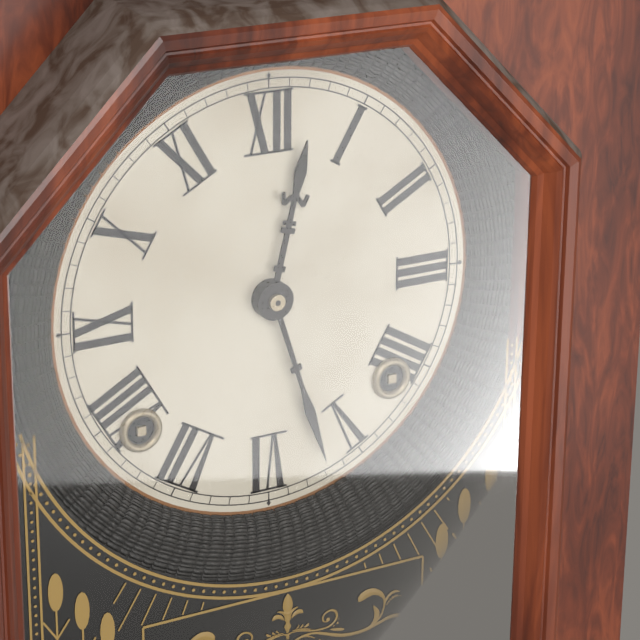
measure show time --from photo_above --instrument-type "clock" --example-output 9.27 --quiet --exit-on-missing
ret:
12.27
